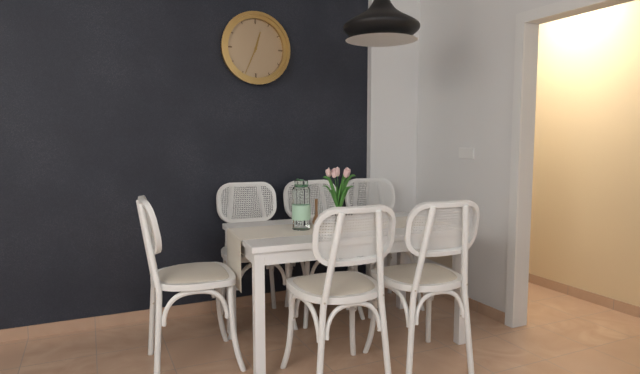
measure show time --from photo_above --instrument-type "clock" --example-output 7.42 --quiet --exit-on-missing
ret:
12.34
